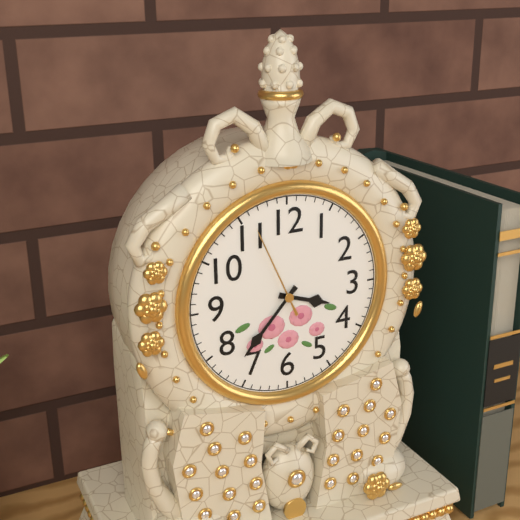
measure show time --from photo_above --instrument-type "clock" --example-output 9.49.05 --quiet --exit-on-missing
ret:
3.37.56
